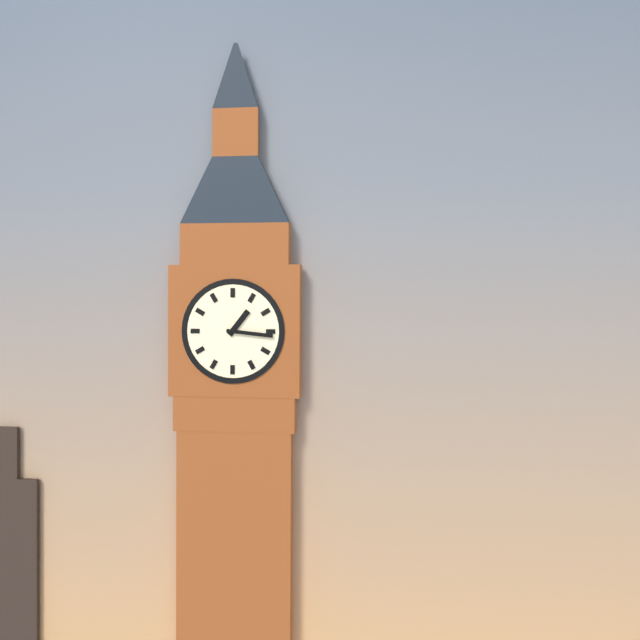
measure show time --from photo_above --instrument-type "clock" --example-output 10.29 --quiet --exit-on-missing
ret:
1.16
